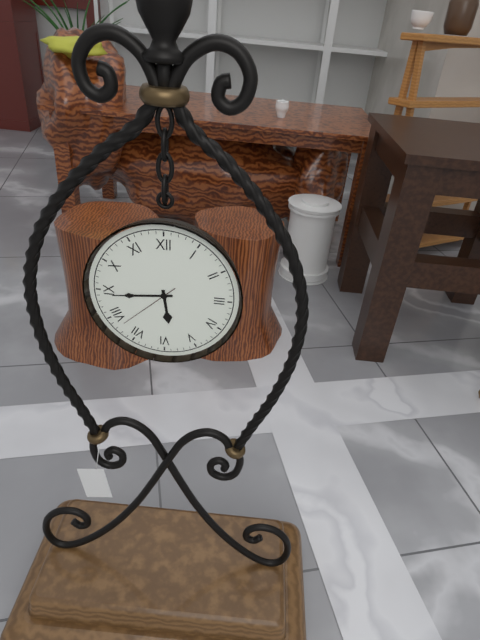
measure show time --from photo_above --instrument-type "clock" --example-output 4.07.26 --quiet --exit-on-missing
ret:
5.44.38
